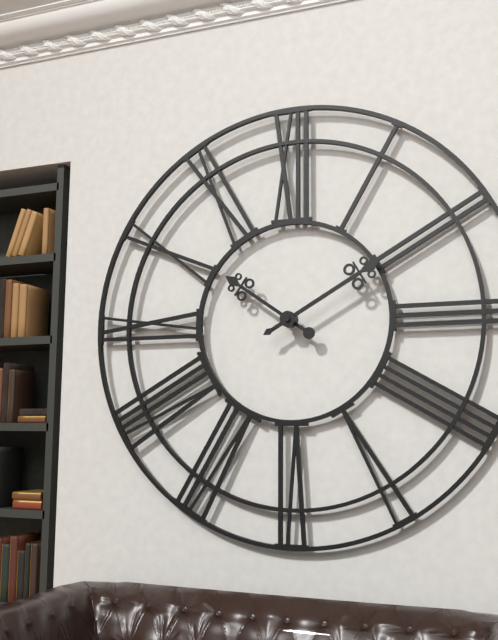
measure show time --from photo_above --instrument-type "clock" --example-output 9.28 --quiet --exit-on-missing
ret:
10.10
